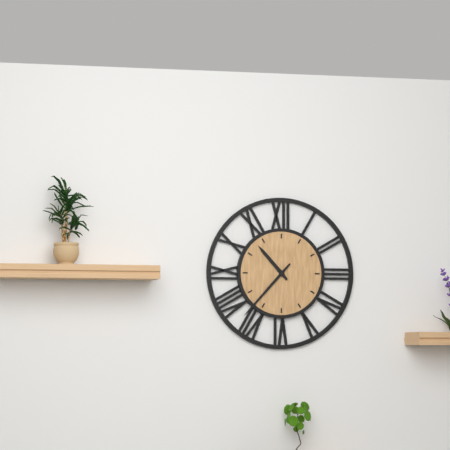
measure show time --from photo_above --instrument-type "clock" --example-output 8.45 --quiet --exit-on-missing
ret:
10.37
